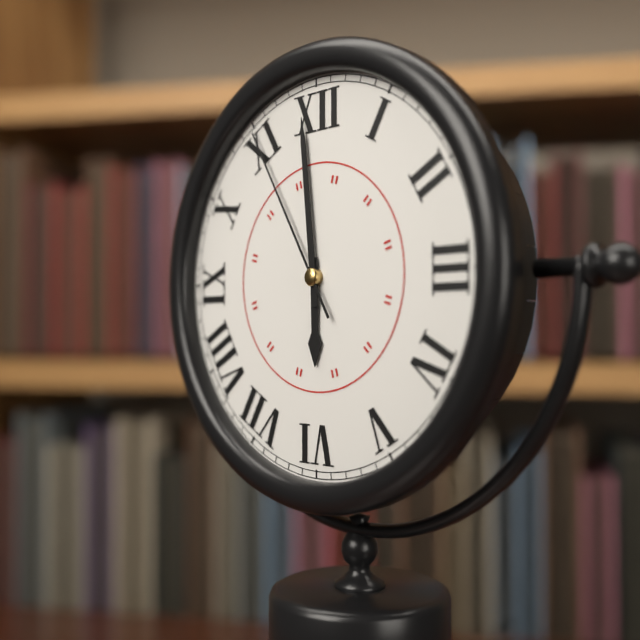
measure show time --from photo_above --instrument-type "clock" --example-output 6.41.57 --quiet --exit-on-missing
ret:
5.59.55
